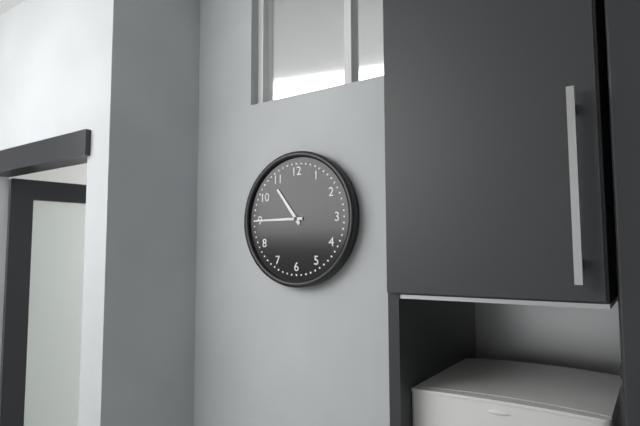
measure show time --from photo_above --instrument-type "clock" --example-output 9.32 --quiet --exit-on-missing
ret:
10.45
